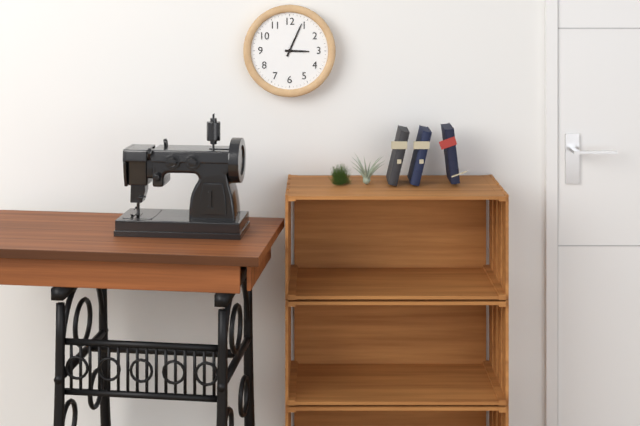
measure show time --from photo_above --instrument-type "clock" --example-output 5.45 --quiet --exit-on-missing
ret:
3.04
